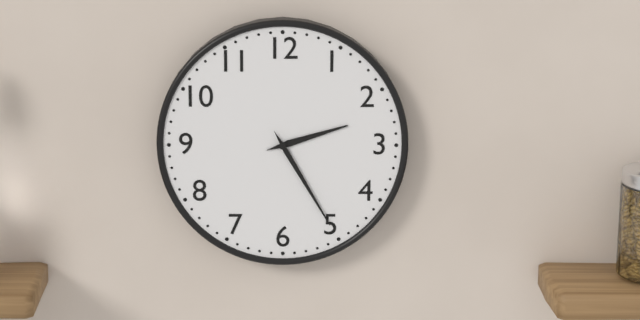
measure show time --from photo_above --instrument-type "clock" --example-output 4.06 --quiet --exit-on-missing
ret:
2.25
